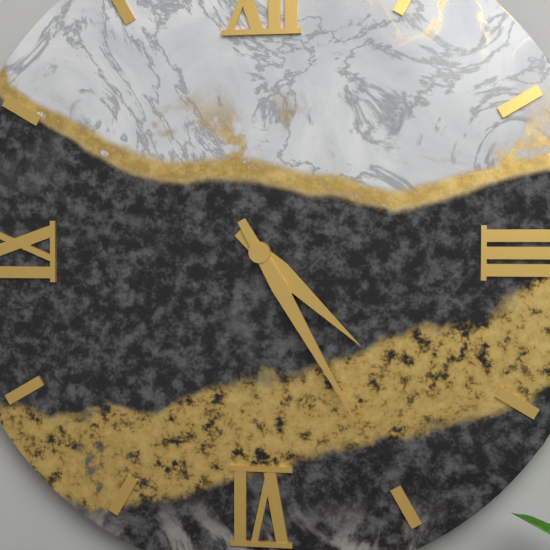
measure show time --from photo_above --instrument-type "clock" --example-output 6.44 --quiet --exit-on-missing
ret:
4.25
